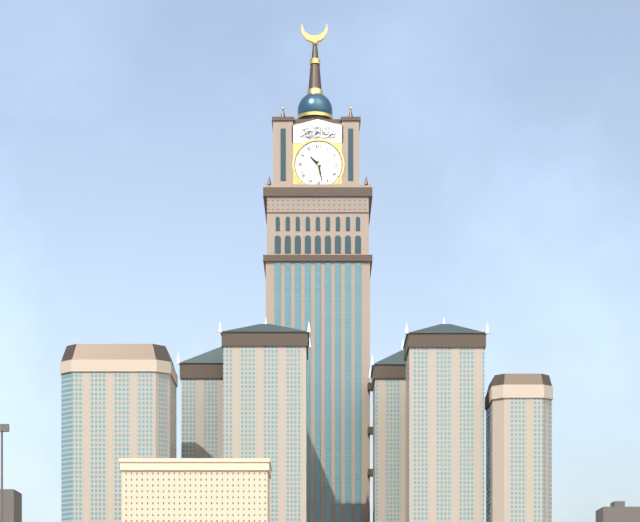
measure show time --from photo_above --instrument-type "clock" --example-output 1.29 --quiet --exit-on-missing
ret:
10.28
